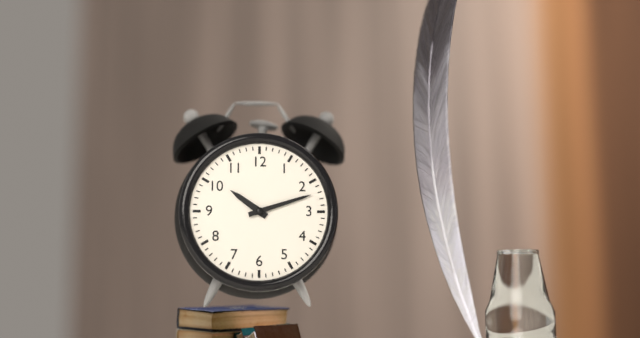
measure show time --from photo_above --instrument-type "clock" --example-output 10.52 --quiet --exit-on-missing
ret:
10.12
